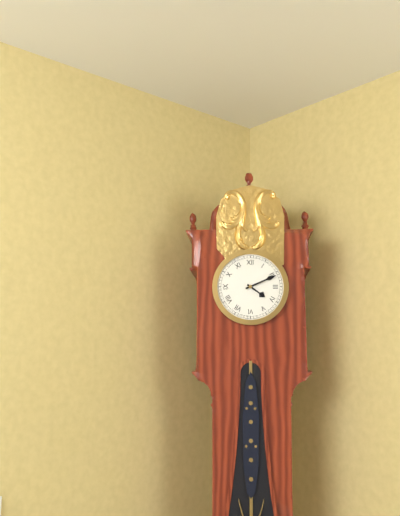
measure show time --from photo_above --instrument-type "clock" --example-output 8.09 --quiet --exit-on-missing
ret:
4.11
